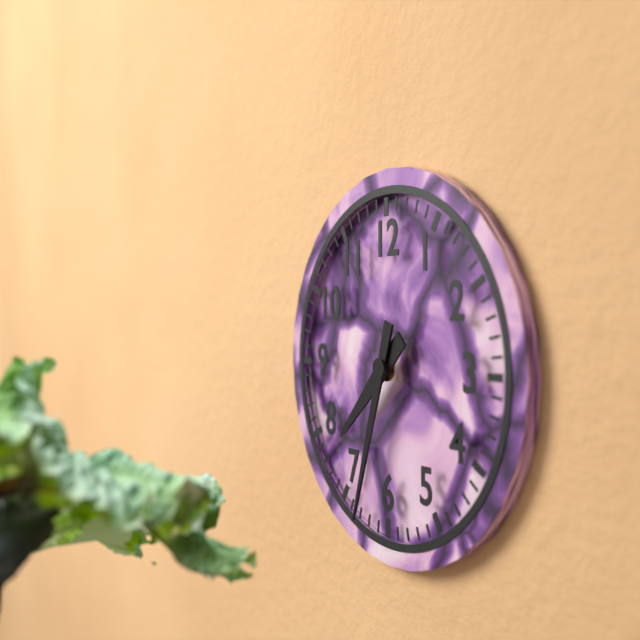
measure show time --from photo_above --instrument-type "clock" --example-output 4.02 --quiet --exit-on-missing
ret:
7.33
